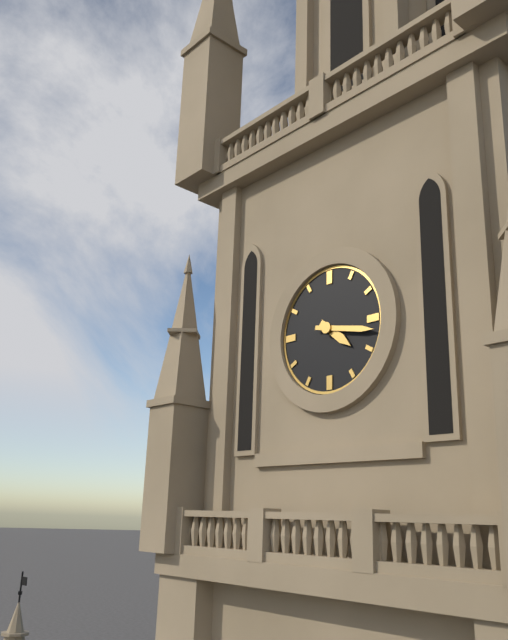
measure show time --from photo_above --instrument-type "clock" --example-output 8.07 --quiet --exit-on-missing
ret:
4.17
